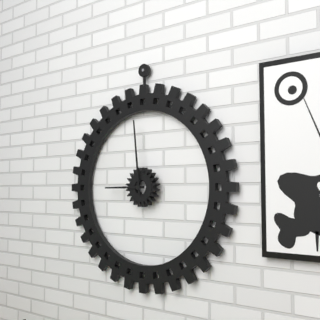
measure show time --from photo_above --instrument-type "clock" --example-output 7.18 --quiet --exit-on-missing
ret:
8.59
